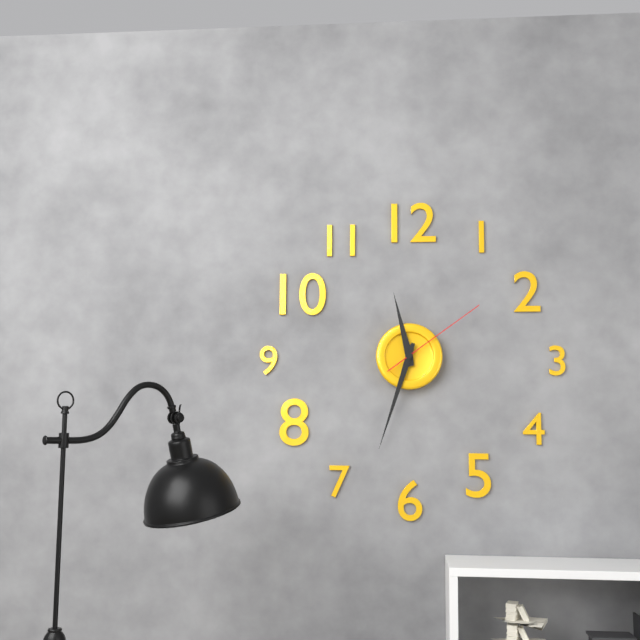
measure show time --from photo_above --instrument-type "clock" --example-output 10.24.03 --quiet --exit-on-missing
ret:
11.33.09
